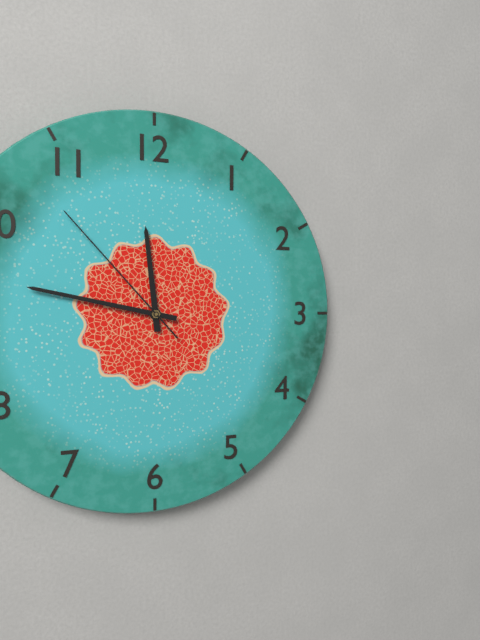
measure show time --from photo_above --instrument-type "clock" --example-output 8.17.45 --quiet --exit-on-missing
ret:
11.47.53
